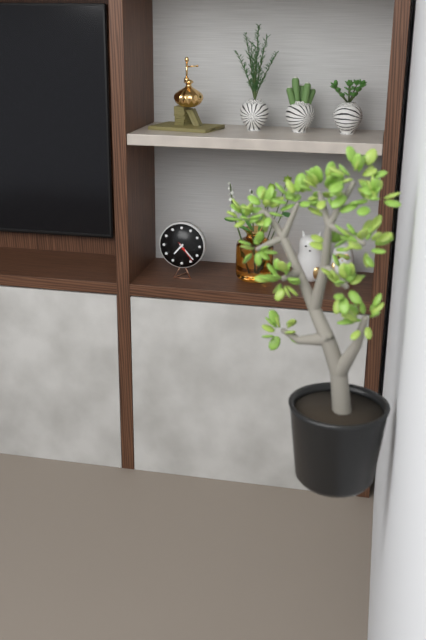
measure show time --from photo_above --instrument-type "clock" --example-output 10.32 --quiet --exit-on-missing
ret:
7.23
